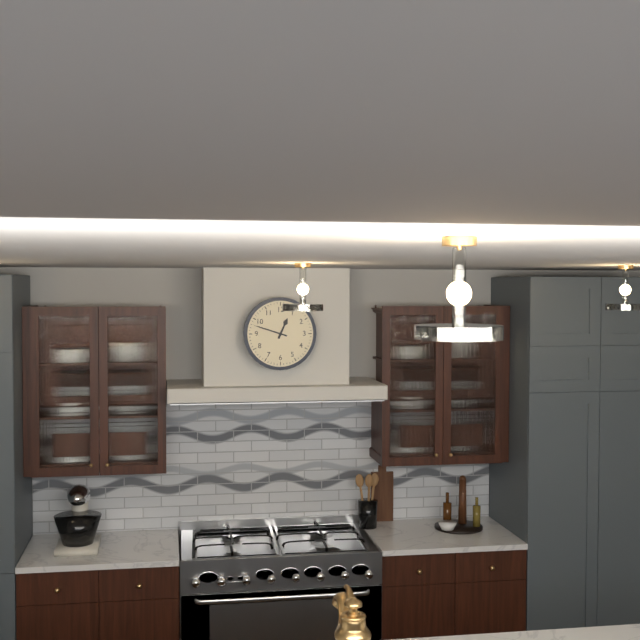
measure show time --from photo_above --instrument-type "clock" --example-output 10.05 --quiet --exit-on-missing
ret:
12.48
